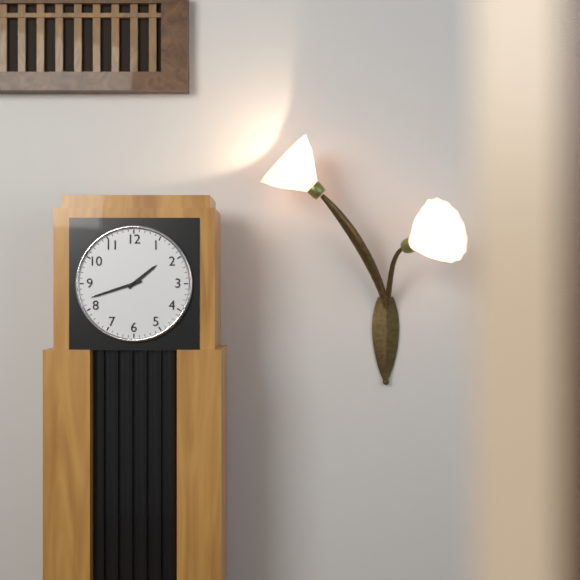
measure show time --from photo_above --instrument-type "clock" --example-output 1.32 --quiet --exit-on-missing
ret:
1.42
